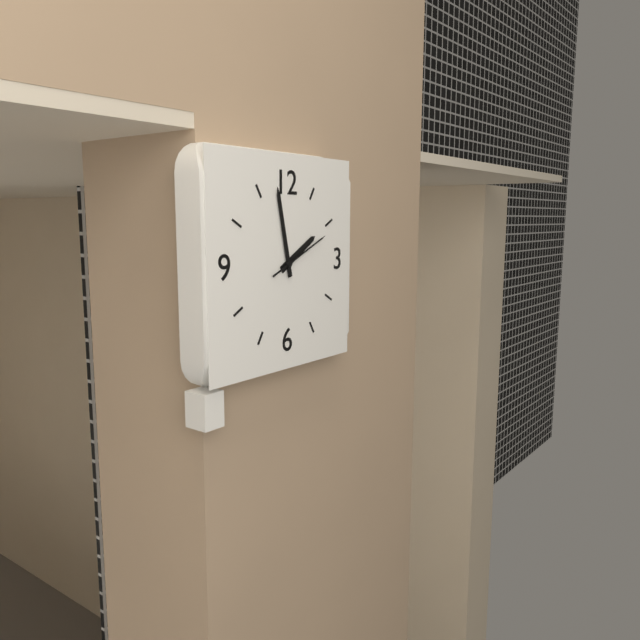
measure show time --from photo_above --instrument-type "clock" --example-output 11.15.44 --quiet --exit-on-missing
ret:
1.58.11
